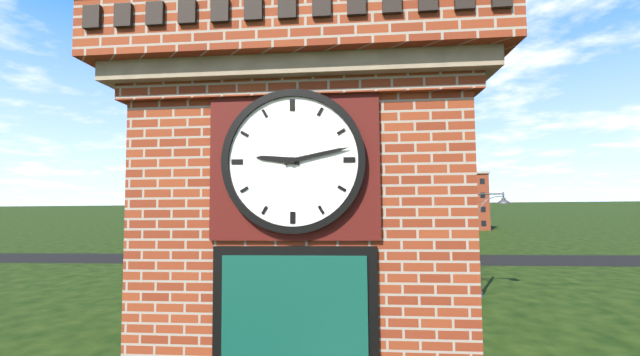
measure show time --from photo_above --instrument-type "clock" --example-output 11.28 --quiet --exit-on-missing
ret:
9.13
